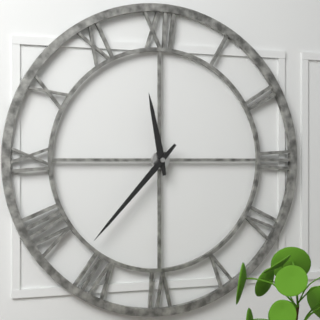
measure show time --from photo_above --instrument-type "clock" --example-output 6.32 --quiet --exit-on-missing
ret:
11.37
